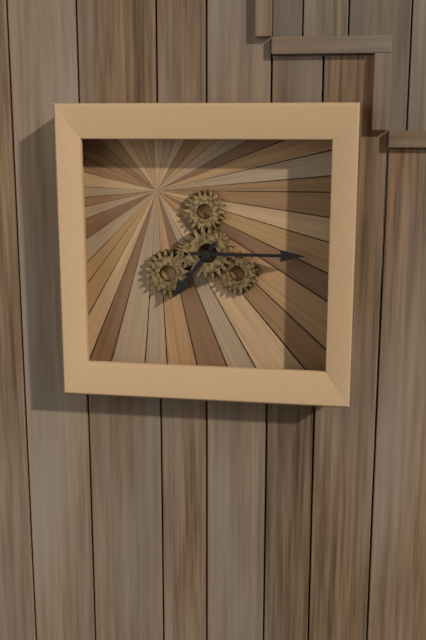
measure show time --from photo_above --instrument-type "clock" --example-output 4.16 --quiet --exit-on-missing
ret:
7.15
